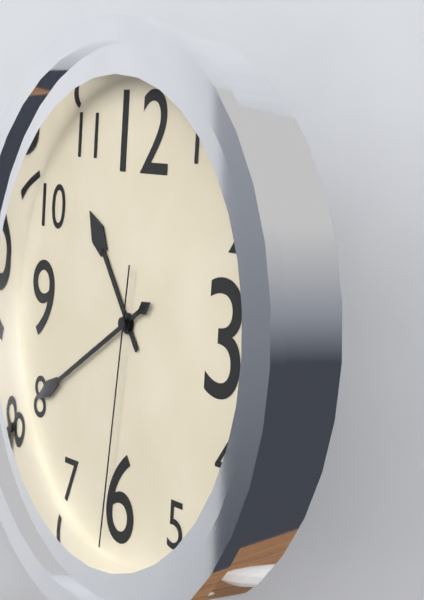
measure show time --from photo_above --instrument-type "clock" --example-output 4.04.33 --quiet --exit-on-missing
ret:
10.40.31
